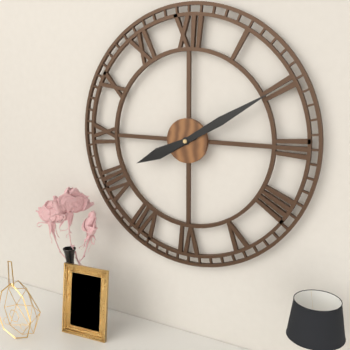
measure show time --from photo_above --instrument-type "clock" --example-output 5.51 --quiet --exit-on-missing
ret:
8.10
